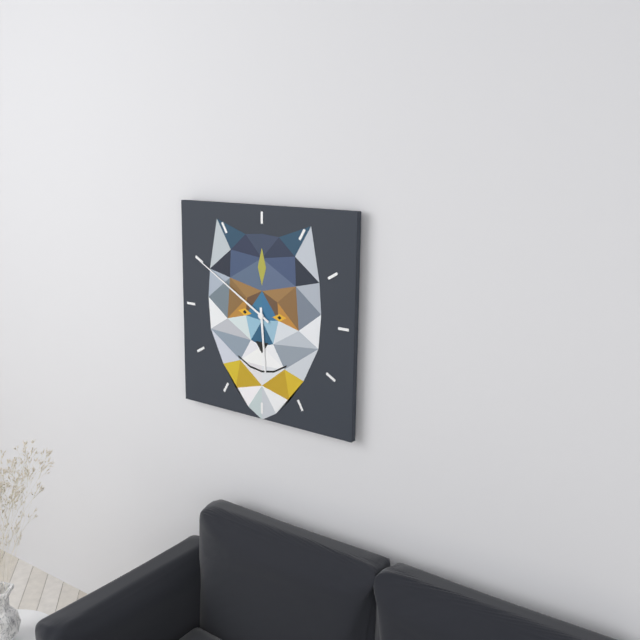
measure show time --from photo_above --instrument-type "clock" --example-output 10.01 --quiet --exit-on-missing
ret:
5.50
